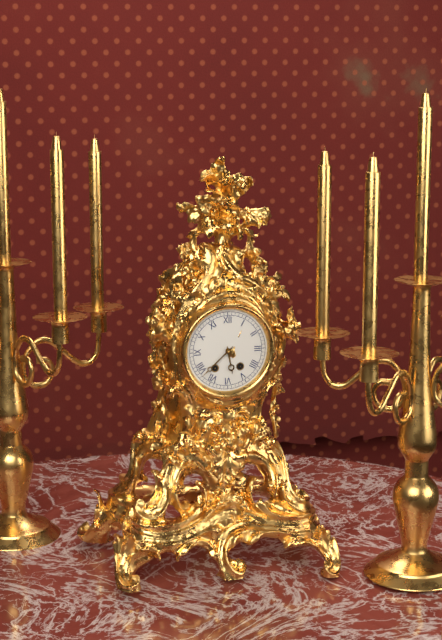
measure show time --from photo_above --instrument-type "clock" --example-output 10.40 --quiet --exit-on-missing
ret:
5.38
